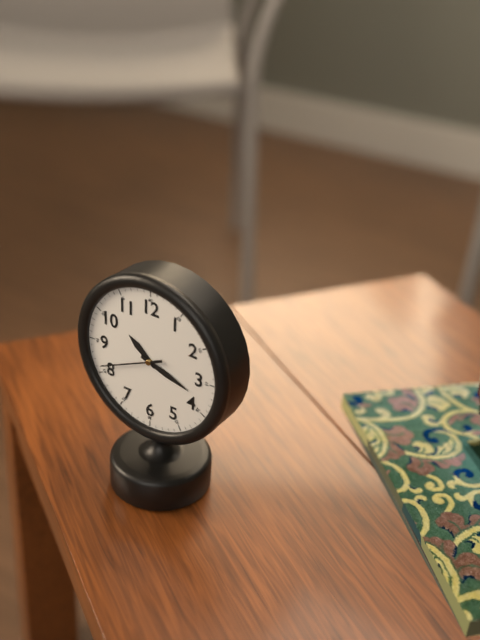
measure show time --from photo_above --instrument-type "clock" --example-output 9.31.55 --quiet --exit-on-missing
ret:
10.18.41
